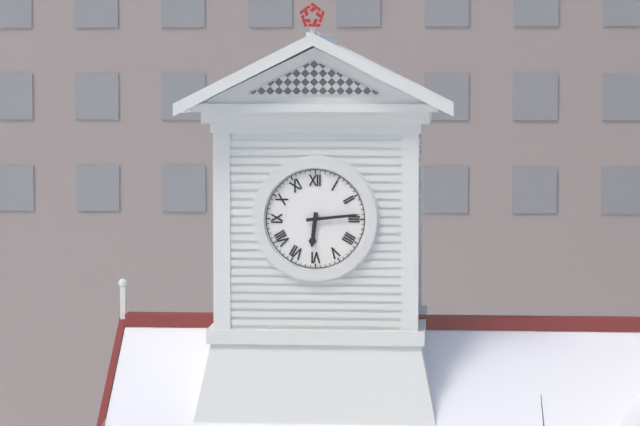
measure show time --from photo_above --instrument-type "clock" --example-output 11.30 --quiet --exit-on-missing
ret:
6.14
